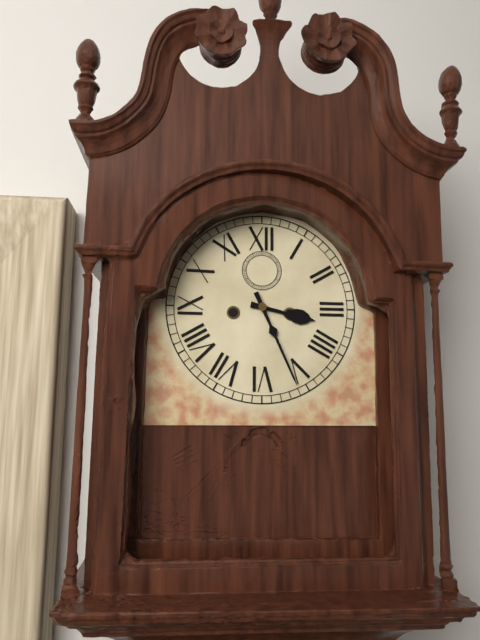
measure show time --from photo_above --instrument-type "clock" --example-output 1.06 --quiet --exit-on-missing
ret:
3.26
